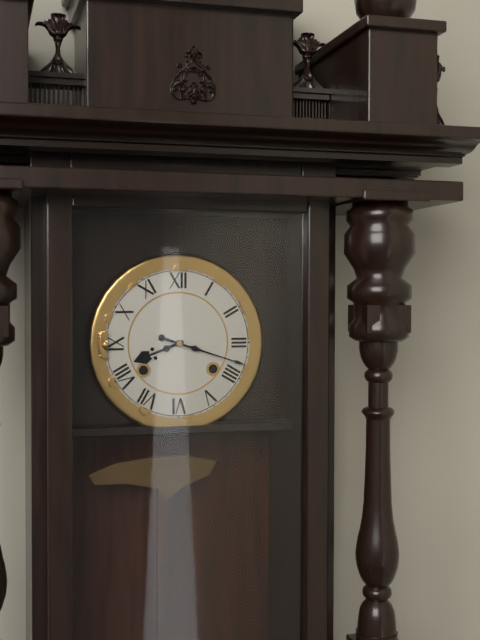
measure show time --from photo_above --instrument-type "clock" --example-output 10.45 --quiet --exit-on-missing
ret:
8.18
